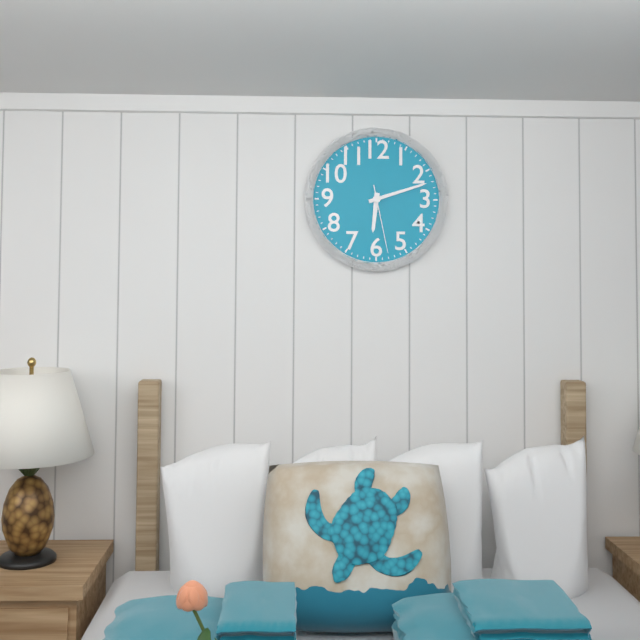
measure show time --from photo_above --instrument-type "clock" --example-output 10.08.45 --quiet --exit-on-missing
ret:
6.12.28
